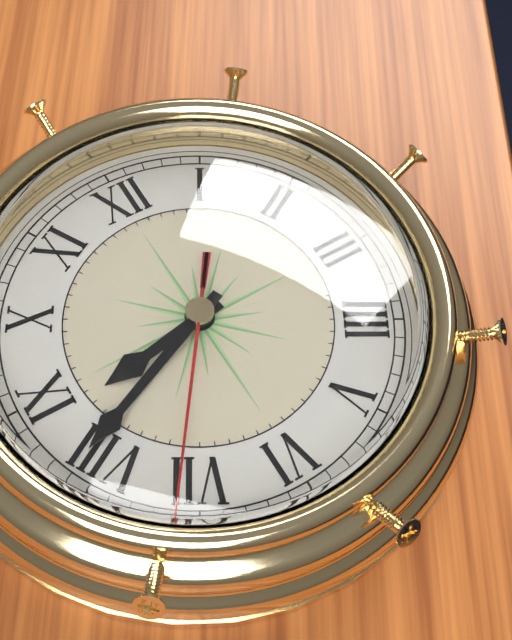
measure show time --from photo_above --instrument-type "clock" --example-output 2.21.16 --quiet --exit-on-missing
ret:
8.41.36
